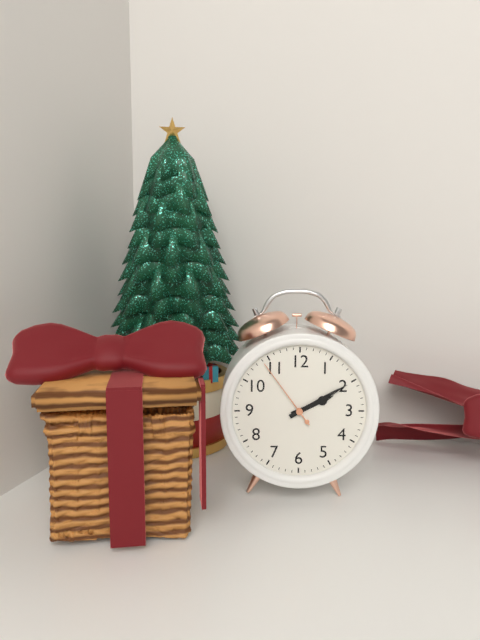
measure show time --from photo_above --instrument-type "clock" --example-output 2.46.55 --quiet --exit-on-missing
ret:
2.10.54
